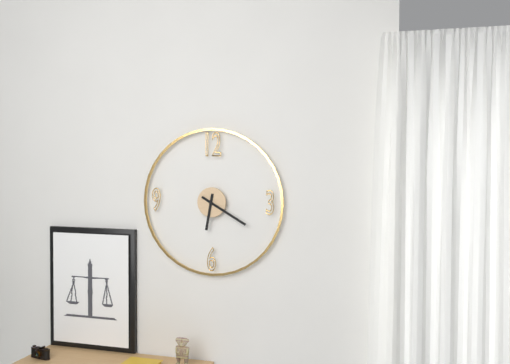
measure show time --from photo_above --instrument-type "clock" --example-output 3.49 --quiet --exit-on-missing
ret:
6.20
